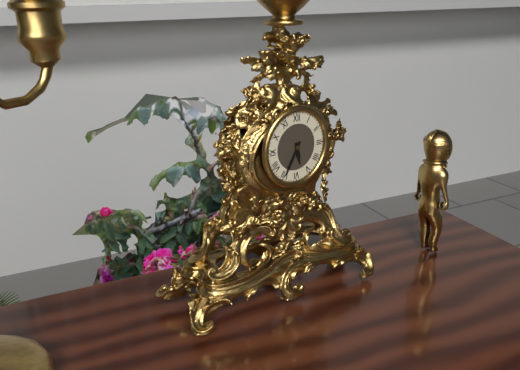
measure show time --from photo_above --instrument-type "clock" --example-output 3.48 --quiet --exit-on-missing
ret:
5.35
